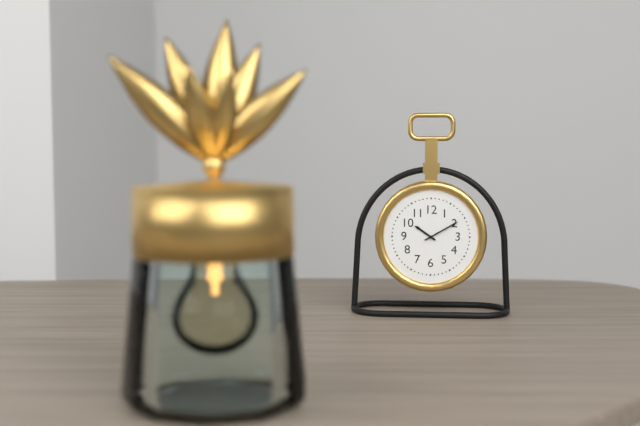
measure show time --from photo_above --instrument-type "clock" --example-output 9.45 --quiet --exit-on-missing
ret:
10.10
